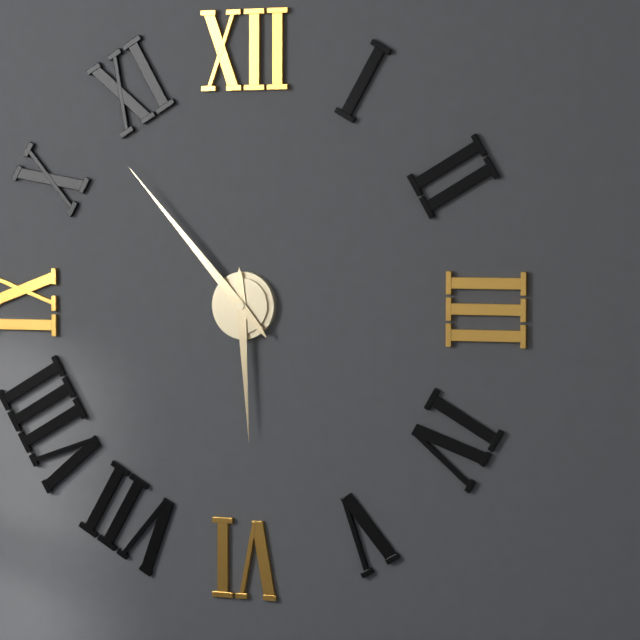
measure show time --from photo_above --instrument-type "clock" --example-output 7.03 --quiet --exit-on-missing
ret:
5.53
